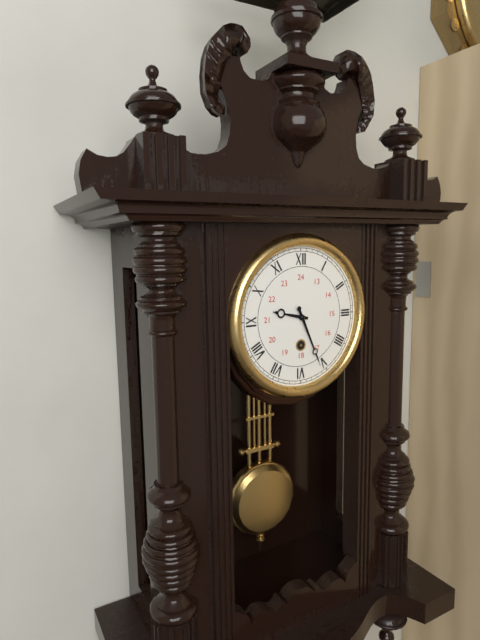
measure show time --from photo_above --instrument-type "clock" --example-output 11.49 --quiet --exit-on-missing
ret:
9.26
